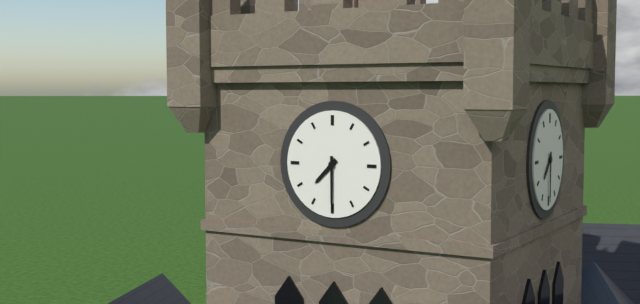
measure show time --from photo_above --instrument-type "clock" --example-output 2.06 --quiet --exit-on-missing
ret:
7.30
